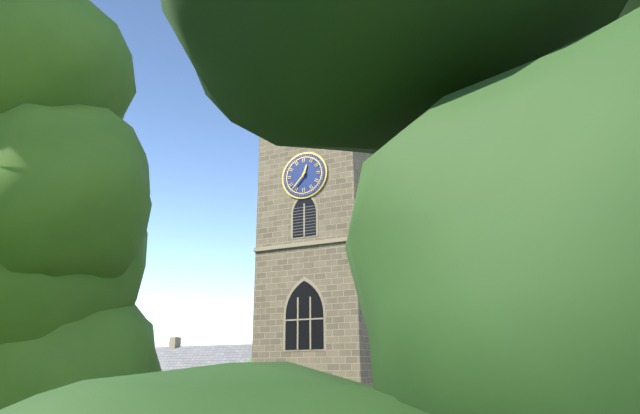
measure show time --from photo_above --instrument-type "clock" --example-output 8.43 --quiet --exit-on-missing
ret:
12.37
